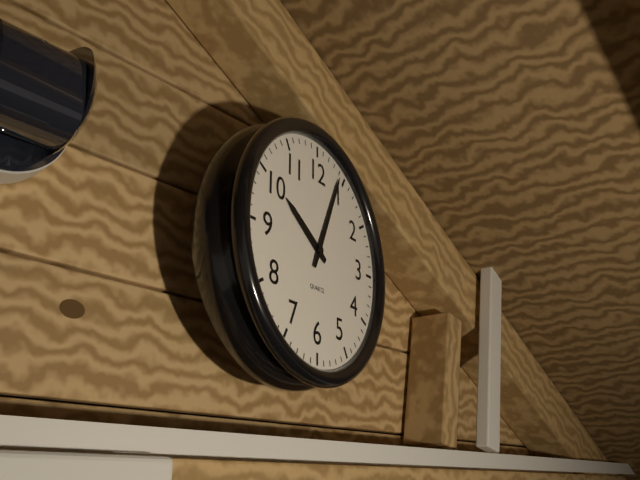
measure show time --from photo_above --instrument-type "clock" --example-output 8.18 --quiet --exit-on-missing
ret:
10.04
